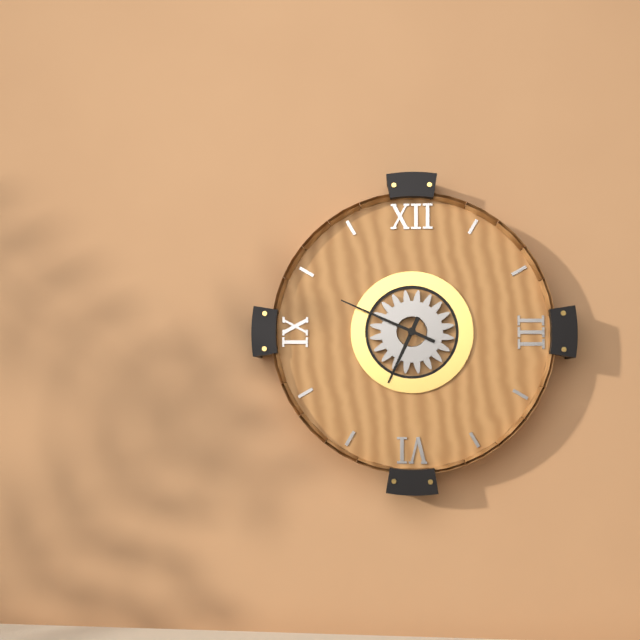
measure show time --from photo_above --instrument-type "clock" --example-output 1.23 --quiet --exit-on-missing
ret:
6.49
